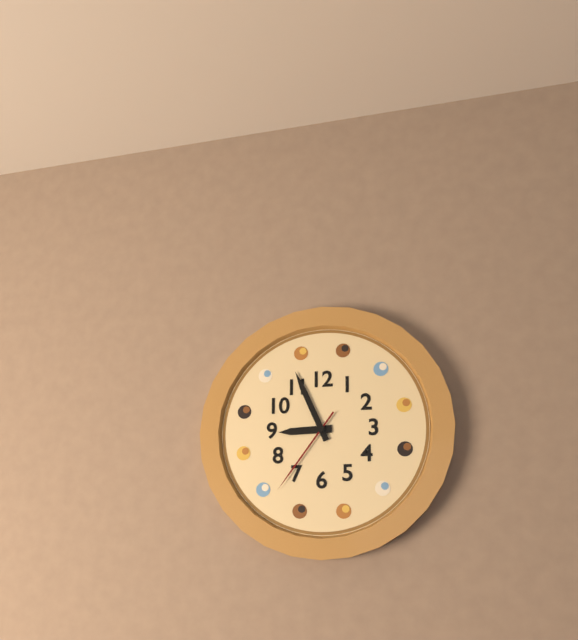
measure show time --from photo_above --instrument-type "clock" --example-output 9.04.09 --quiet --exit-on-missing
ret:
8.56.36
